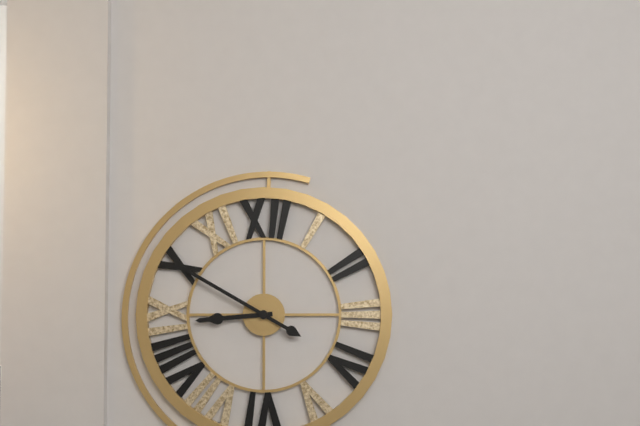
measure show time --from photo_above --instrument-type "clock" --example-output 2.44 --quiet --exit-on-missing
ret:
8.50
